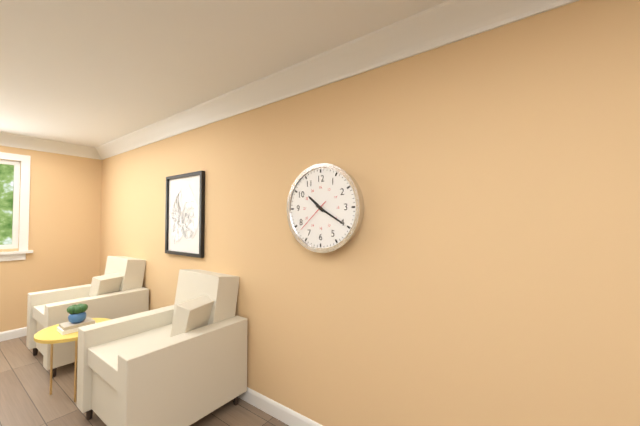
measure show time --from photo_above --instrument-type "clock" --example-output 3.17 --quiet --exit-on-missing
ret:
10.20
